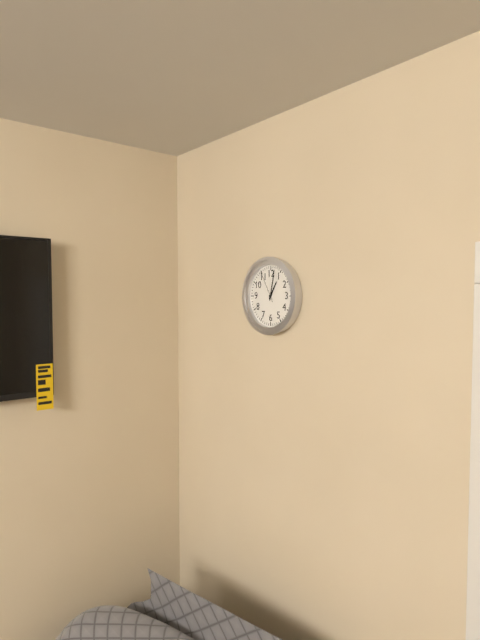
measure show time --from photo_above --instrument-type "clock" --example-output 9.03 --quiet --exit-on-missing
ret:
1.02
